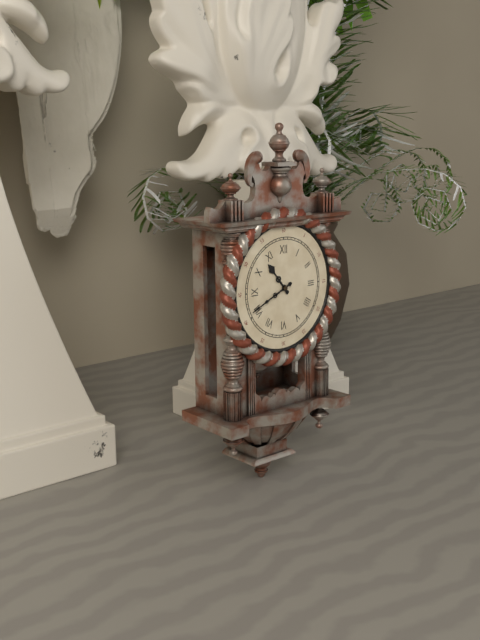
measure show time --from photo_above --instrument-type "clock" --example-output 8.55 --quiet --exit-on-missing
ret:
10.41
